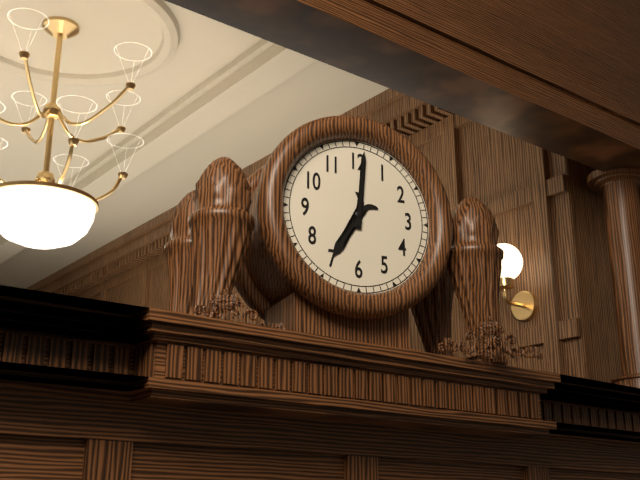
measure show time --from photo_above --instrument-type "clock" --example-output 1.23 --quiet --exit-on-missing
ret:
7.01
